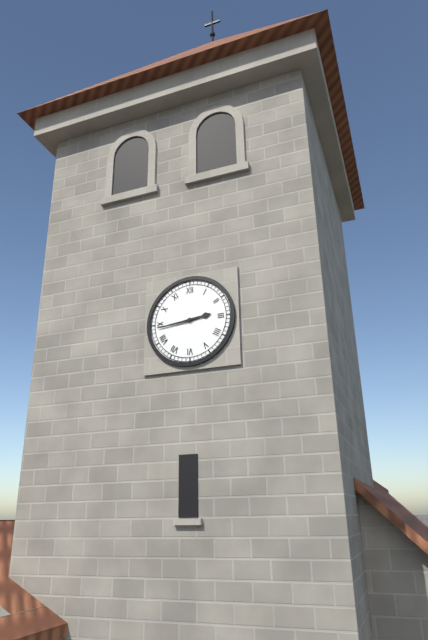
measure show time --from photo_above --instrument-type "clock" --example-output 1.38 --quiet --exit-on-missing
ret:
2.44
